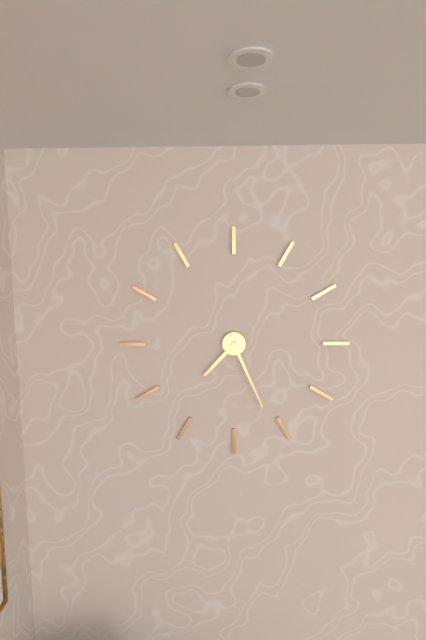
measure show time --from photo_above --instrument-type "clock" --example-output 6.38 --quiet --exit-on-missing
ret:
7.26
